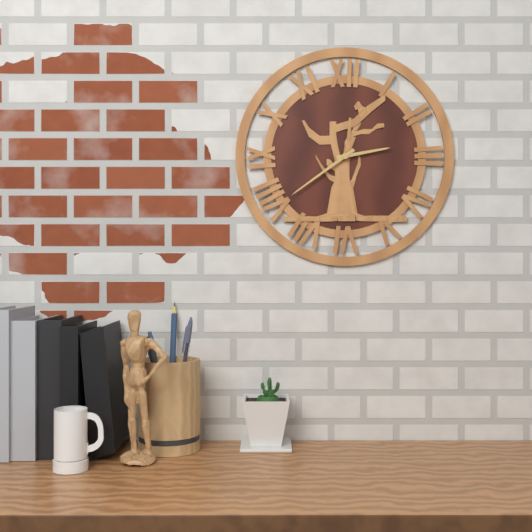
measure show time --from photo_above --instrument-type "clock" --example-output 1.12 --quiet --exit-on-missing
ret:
2.39
